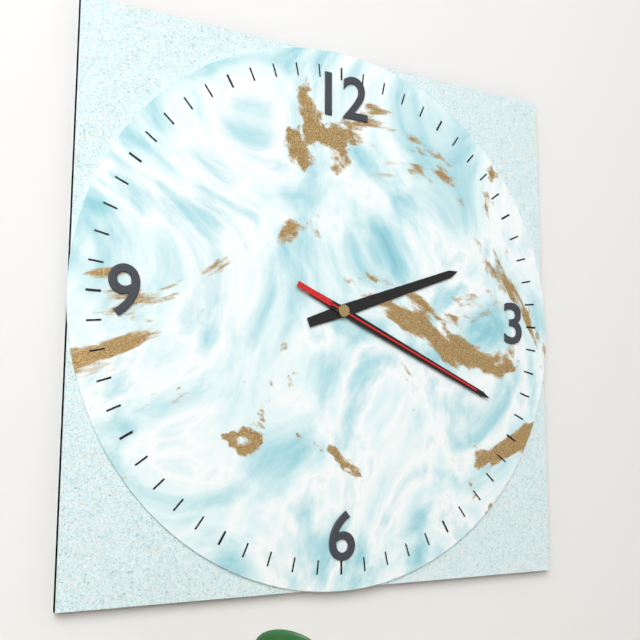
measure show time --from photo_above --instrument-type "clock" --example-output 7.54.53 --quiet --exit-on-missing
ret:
2.19.19
